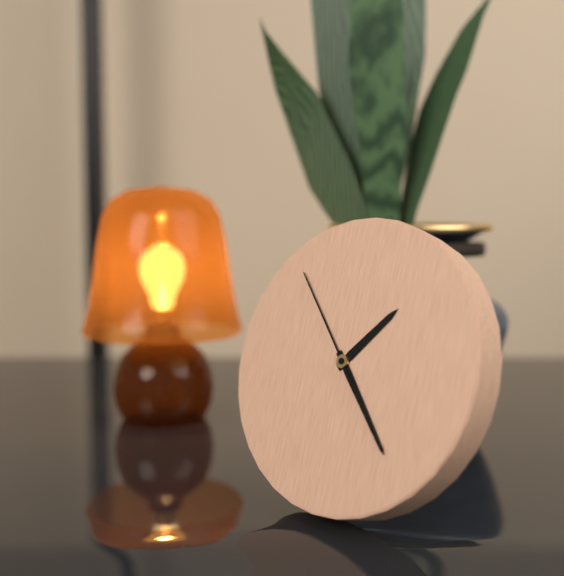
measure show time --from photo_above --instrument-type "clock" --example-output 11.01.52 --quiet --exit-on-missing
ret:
1.23.53
